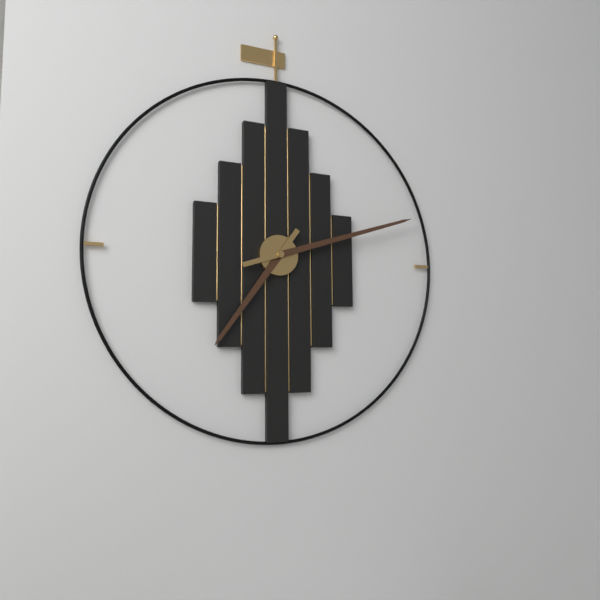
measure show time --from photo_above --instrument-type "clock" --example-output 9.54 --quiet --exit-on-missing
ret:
7.12
